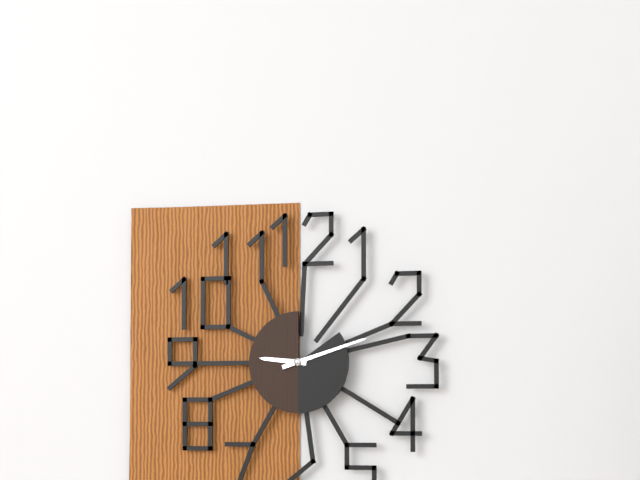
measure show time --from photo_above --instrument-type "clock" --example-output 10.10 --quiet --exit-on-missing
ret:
9.12
